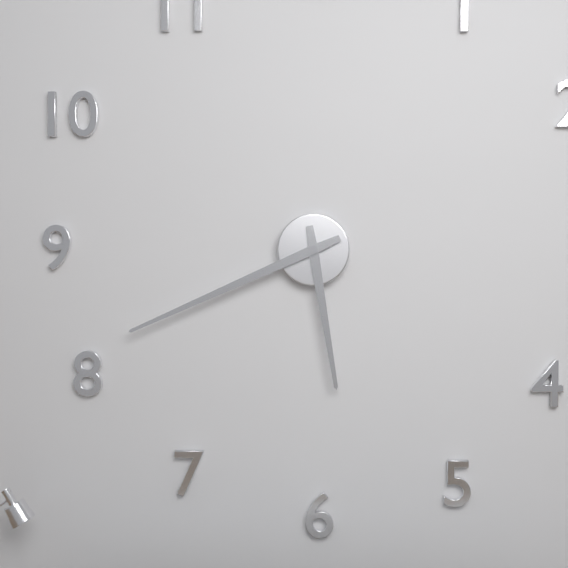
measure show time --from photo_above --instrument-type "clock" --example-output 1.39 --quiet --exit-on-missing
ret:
5.41
